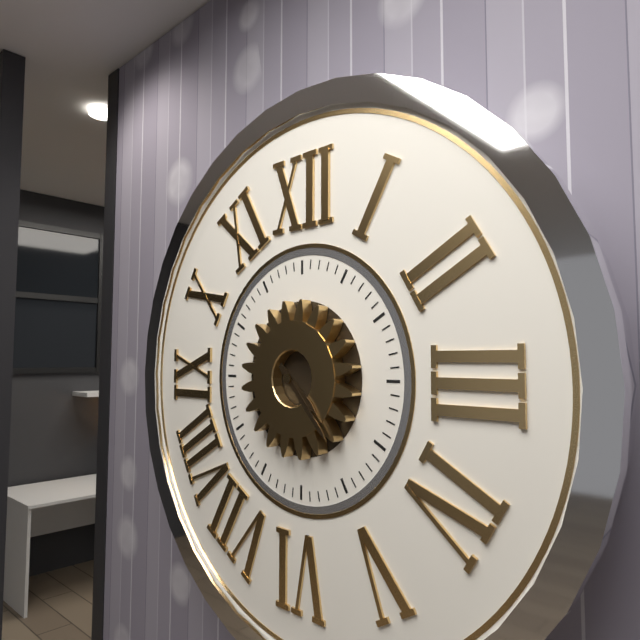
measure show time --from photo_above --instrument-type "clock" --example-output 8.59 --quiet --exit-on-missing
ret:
4.23
